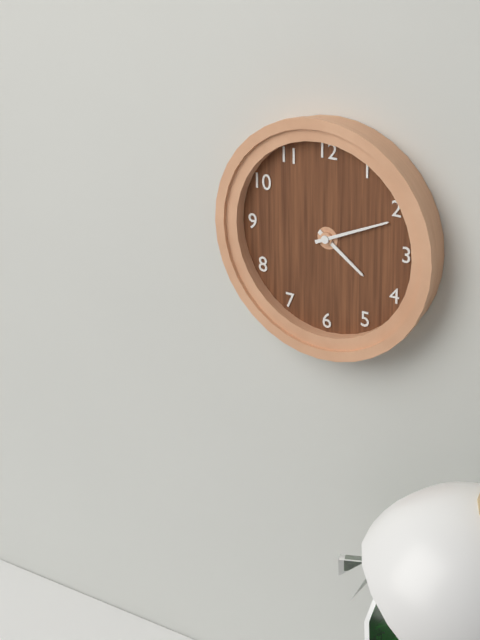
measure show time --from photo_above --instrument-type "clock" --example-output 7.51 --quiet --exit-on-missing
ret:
4.11
